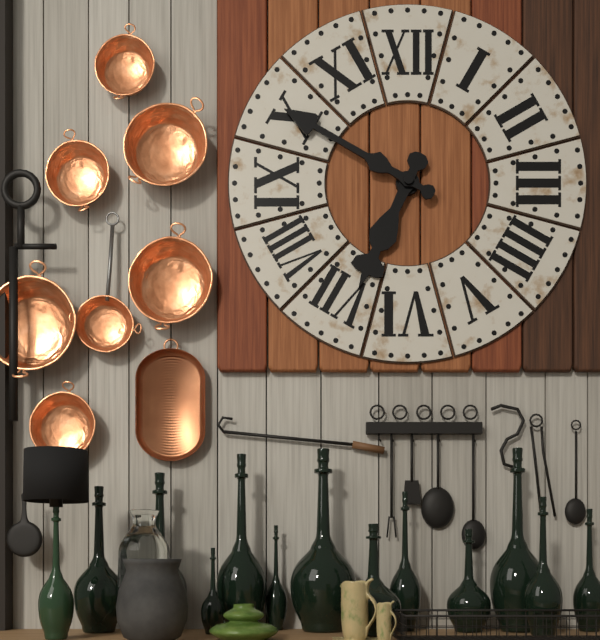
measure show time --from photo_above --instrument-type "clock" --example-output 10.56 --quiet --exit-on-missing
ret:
6.50
